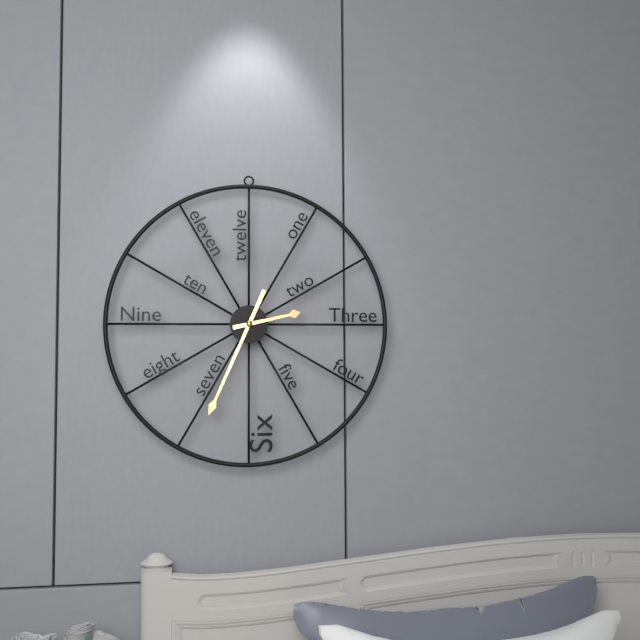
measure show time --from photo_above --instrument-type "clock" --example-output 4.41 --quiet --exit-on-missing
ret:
2.34
